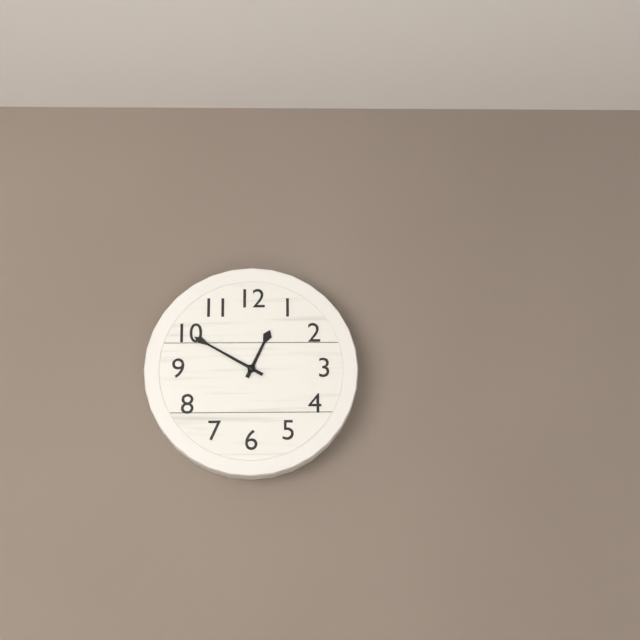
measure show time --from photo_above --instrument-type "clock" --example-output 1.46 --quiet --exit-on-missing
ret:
12.50
